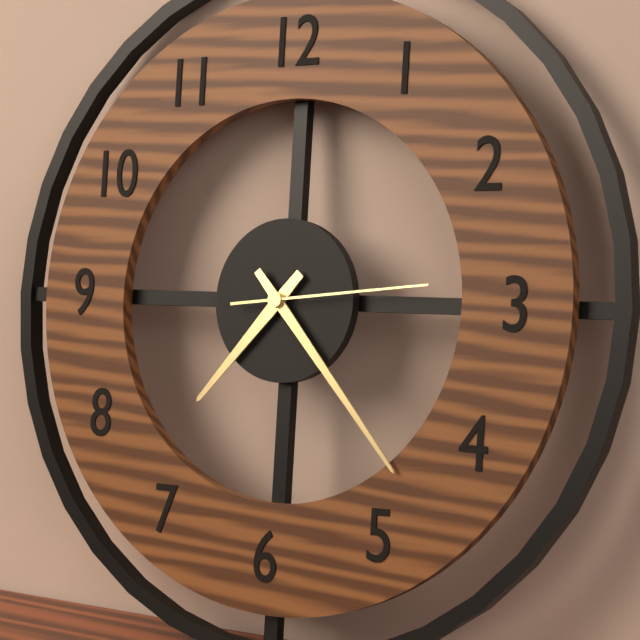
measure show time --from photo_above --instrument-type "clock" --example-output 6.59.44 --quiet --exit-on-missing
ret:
7.23.14
